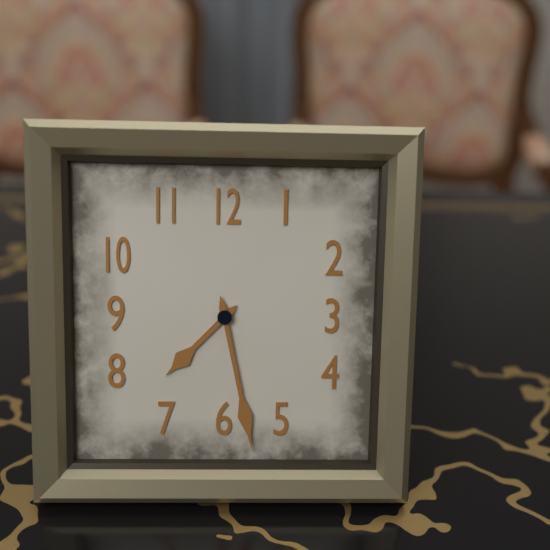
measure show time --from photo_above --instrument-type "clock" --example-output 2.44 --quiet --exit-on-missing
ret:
7.28
